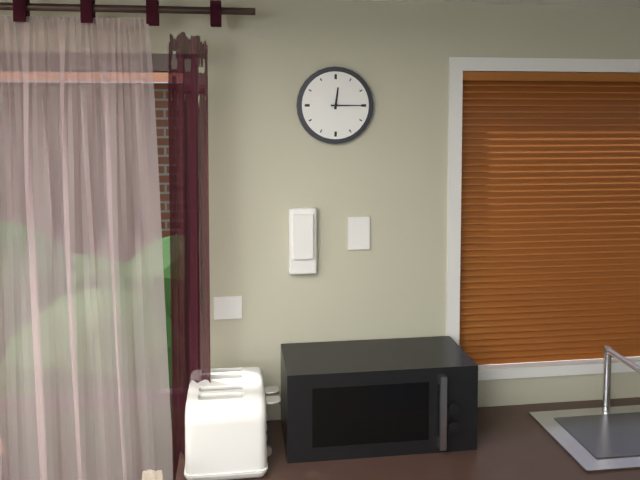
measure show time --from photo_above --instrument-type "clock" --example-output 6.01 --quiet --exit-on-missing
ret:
12.15
